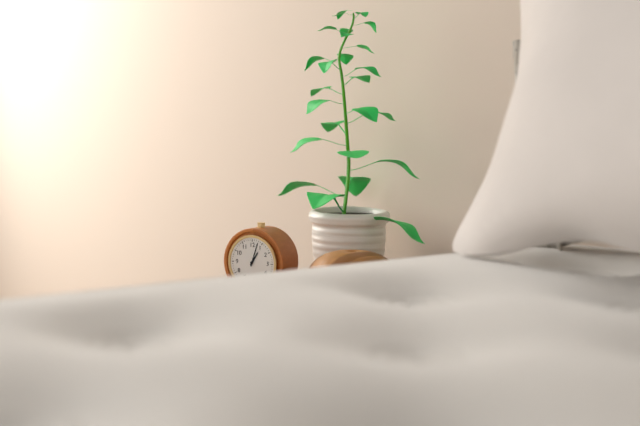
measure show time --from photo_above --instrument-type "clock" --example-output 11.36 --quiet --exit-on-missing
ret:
1.03
